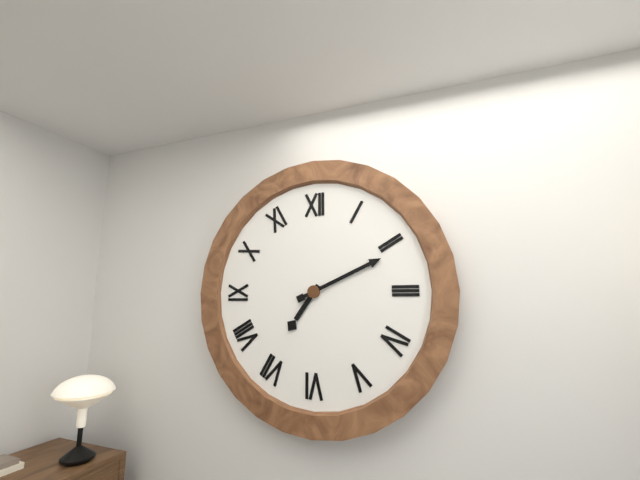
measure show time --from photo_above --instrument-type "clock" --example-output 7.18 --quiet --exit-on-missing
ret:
7.11
